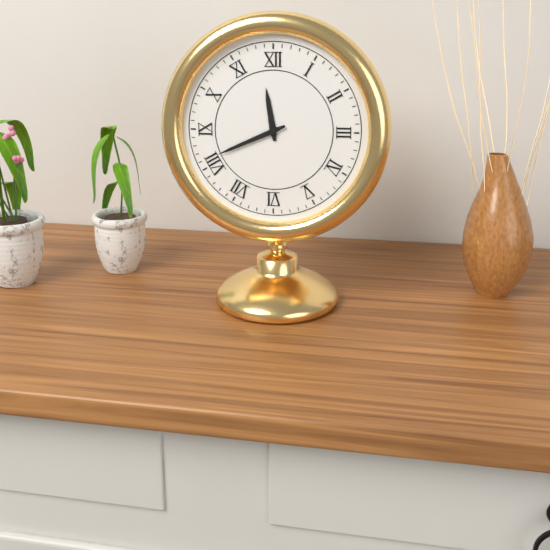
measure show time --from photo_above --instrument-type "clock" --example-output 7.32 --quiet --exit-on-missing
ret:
11.41
